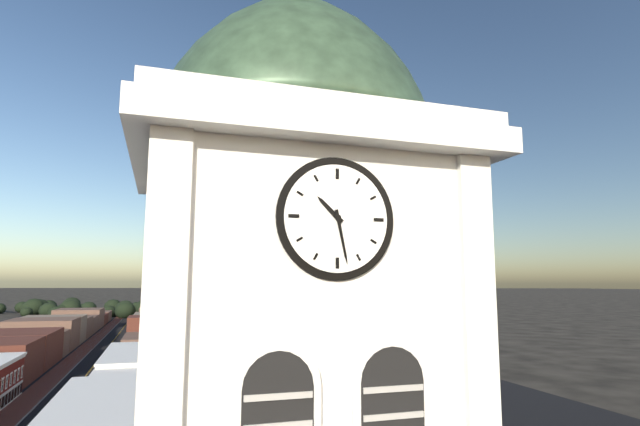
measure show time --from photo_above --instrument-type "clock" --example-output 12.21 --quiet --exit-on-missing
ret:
10.28
